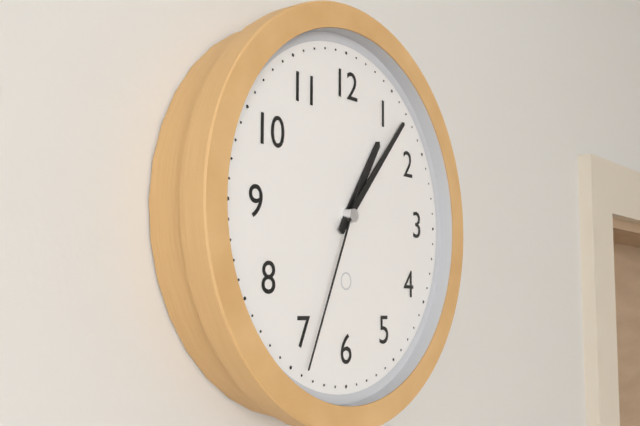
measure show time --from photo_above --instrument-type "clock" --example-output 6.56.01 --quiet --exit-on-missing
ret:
1.07.34
